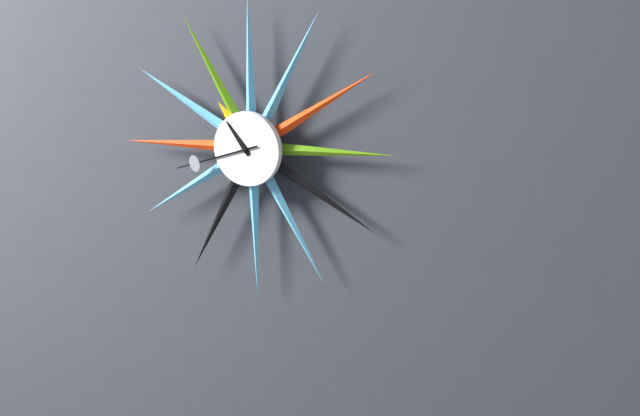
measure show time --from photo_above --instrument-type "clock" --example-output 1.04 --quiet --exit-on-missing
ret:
10.42
